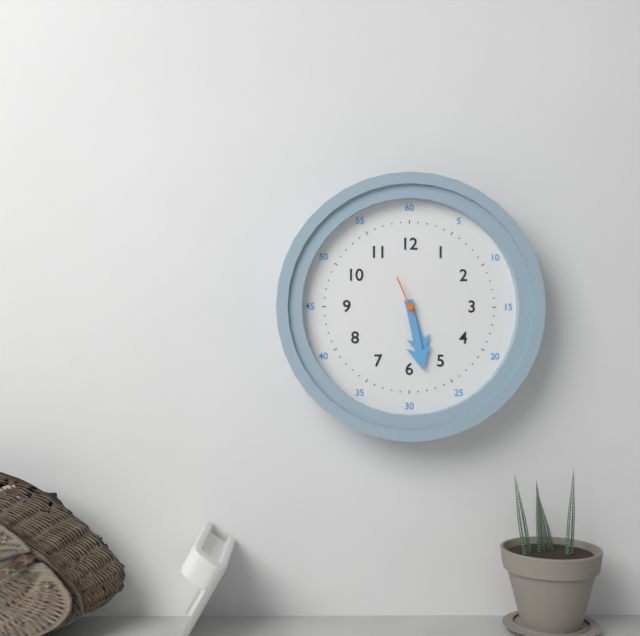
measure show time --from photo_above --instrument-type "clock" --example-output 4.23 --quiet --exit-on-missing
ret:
5.28
